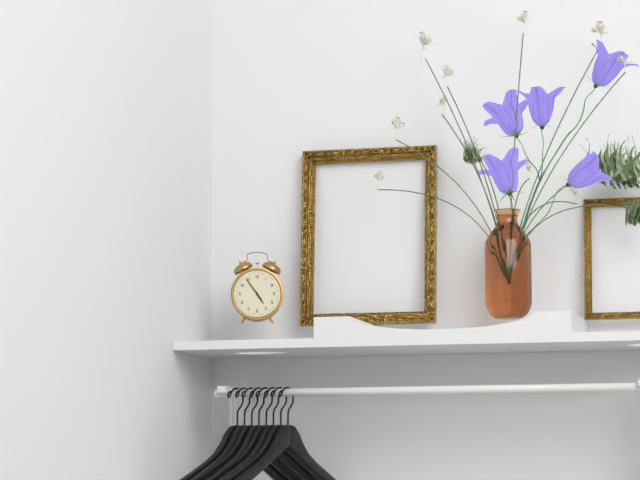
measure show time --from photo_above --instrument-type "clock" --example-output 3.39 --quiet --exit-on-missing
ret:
4.54
